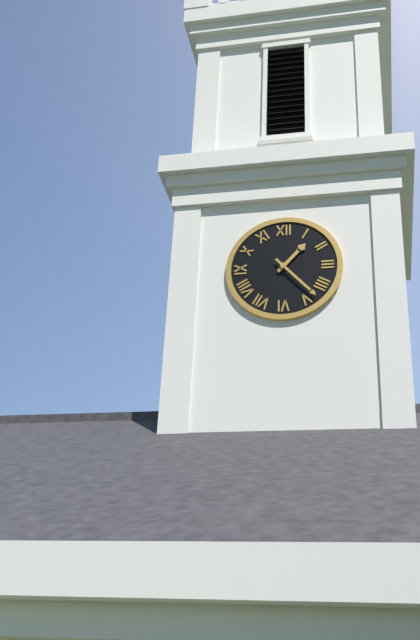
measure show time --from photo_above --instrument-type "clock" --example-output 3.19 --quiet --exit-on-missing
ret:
1.23
